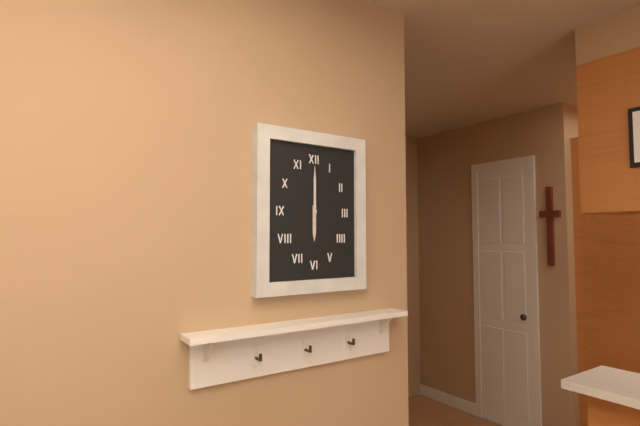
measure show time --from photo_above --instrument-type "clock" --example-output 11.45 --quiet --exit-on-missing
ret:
6.00
